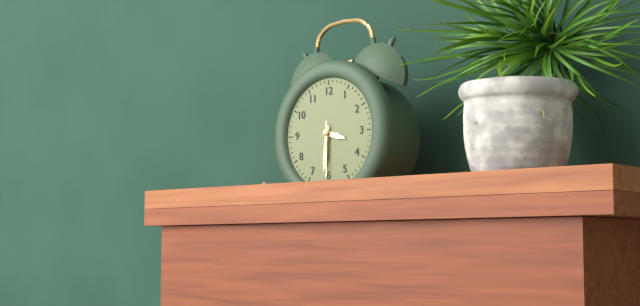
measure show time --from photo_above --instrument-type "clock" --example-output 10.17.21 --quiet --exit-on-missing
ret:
3.31.30
